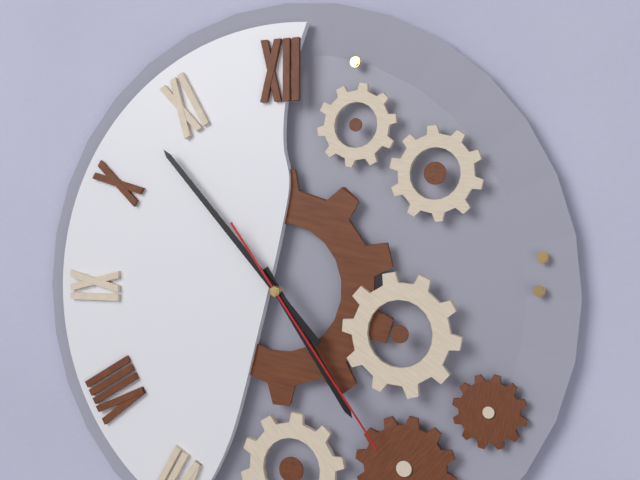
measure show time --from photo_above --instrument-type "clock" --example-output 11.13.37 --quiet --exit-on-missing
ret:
4.53.24
